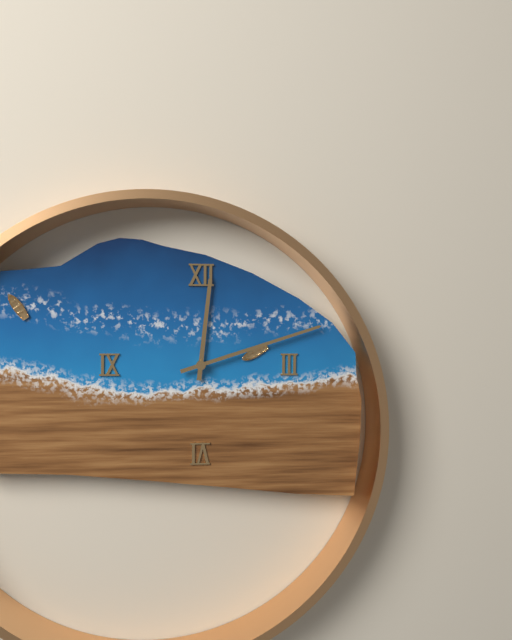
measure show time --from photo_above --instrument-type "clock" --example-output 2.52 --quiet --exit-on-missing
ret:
12.12
